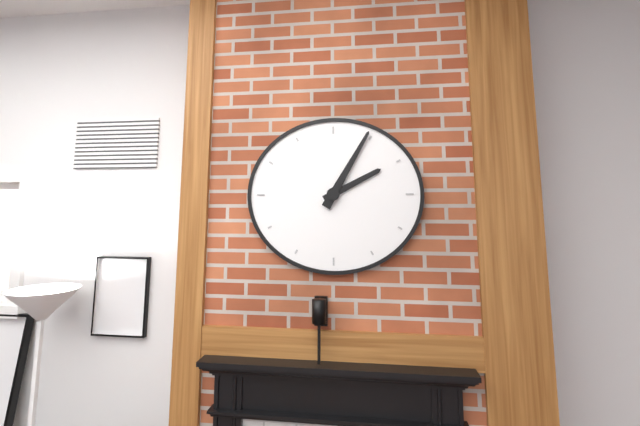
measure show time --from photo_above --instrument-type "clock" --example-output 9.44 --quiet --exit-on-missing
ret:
2.05
